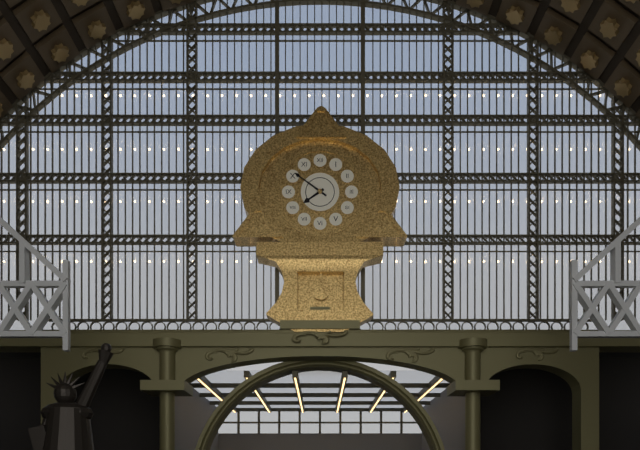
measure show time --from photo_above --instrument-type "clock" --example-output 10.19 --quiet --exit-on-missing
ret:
7.51
